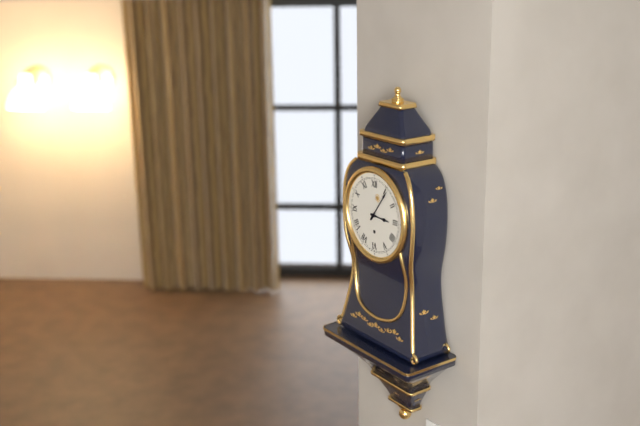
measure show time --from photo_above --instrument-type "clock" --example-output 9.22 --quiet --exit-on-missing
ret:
3.06
